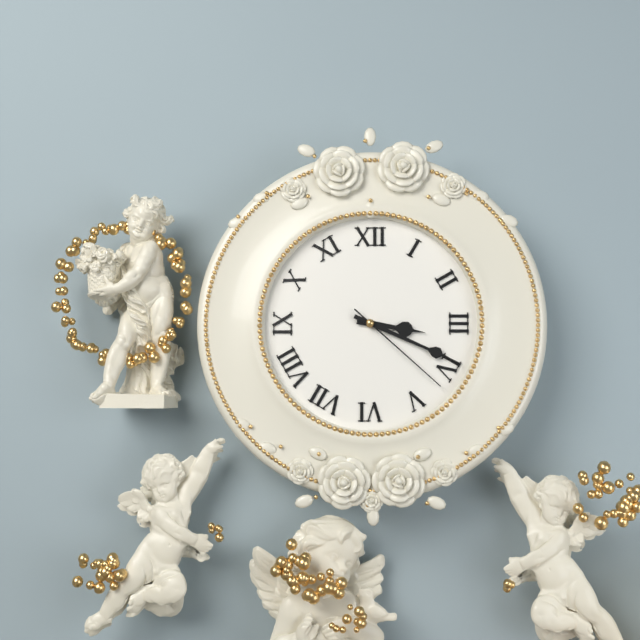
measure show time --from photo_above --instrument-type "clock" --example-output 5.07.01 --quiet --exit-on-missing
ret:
3.19.22
